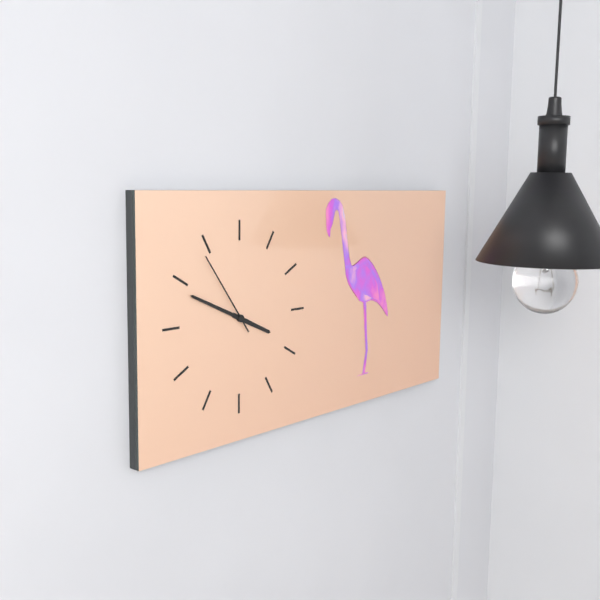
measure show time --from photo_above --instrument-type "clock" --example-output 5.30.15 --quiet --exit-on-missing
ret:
3.49.54
